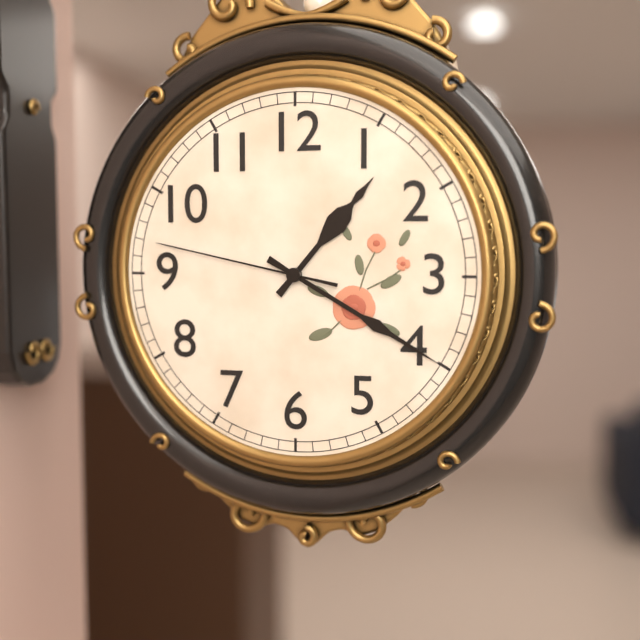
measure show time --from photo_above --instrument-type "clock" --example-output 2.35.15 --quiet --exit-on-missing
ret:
1.20.47
